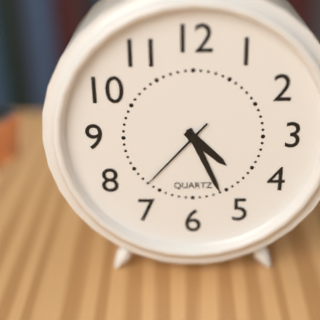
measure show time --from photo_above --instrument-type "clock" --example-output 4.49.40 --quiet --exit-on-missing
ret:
4.26.37
